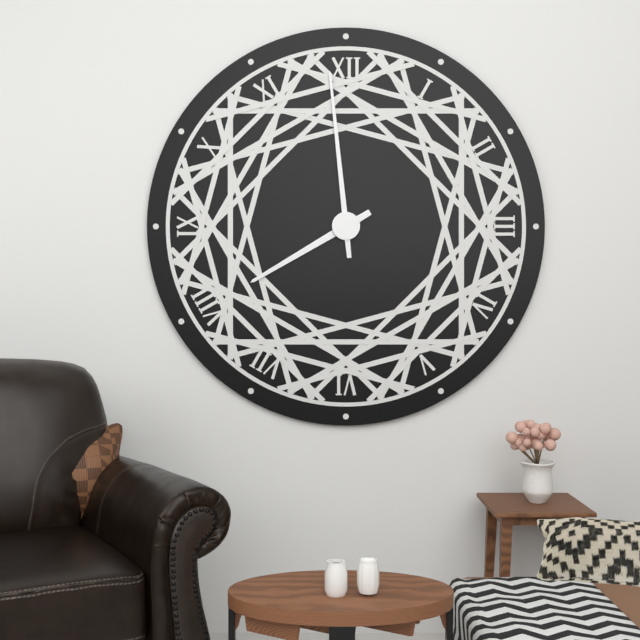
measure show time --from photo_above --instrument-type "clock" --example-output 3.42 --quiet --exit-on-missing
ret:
7.59
